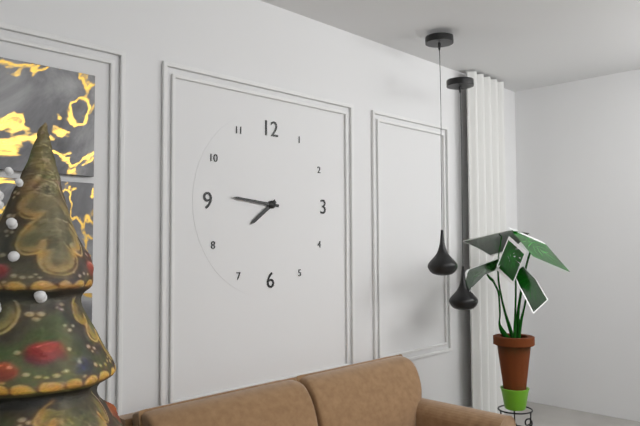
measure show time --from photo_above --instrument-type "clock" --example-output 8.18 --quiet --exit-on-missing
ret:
7.46
